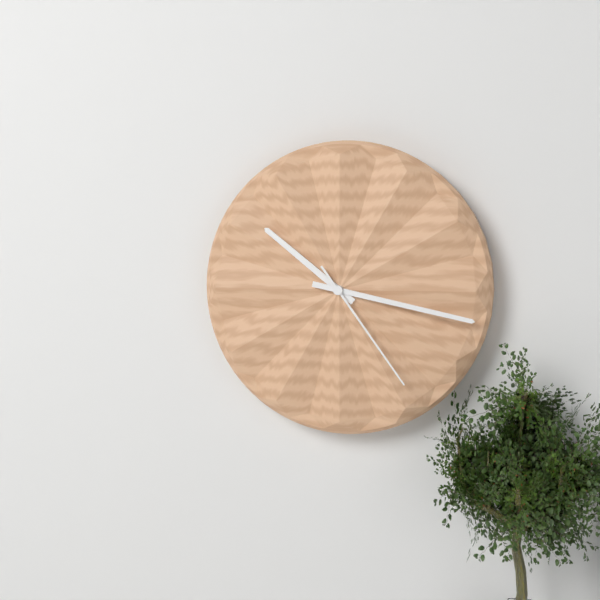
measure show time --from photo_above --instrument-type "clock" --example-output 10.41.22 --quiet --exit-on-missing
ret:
10.17.24
